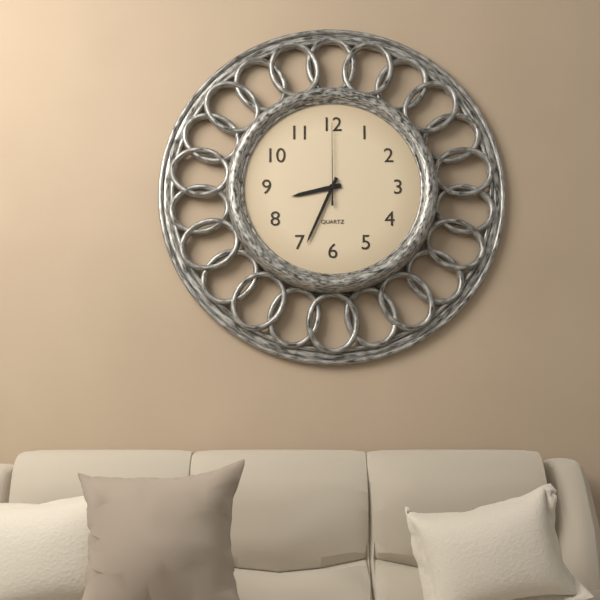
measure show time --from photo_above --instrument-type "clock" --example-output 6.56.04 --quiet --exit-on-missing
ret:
8.34.00
